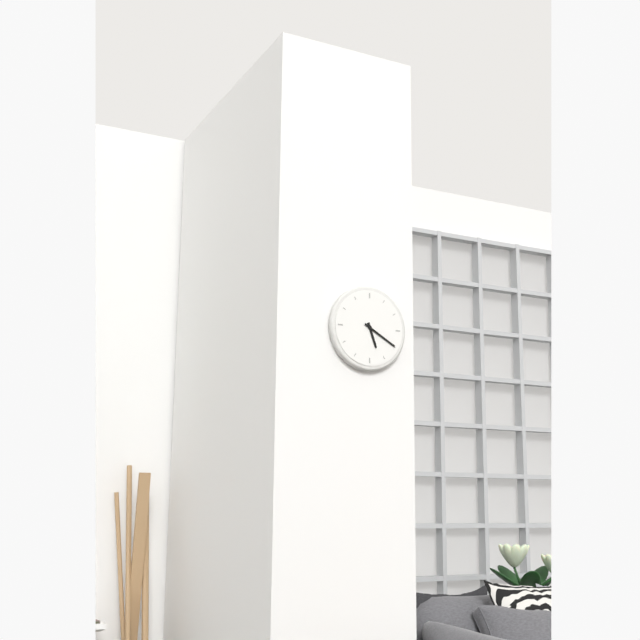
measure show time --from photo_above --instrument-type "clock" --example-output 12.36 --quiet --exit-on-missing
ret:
5.20
